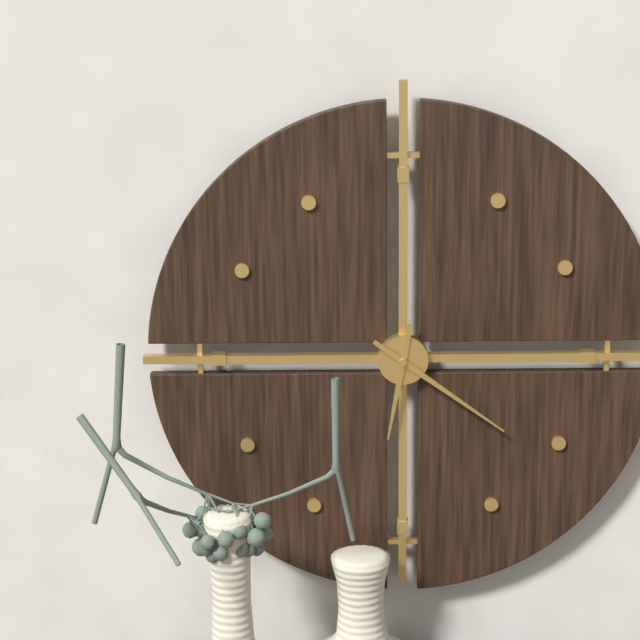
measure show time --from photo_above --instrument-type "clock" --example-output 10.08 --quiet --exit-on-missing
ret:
6.21
